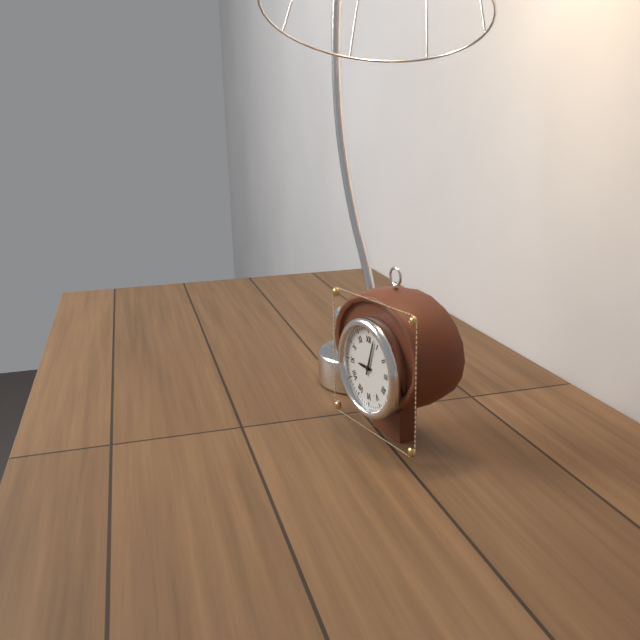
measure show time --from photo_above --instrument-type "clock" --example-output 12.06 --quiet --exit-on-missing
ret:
9.03
